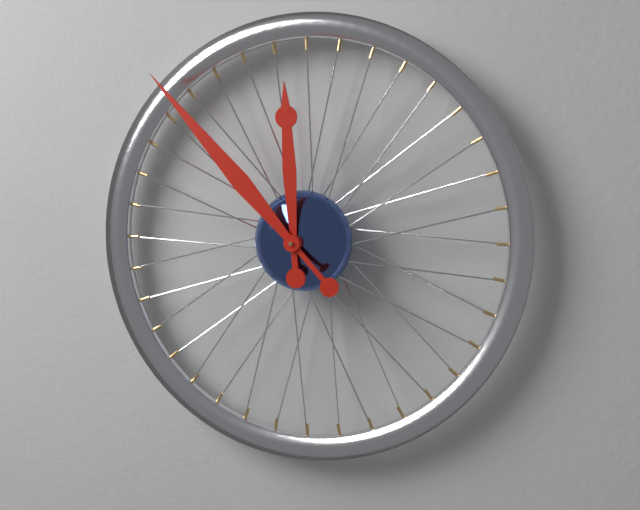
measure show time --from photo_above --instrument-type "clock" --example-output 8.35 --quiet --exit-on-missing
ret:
11.53
